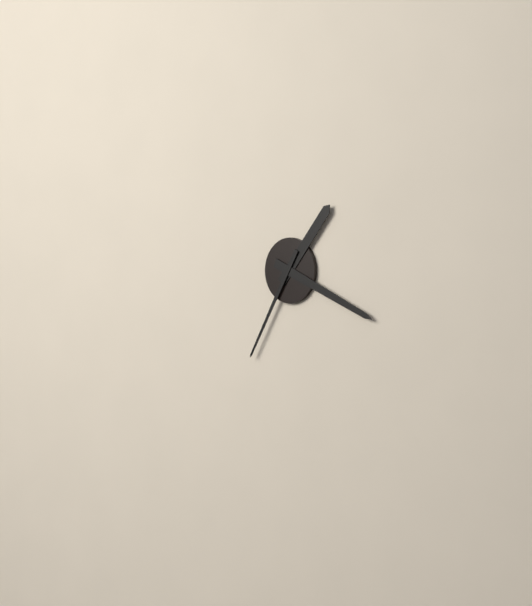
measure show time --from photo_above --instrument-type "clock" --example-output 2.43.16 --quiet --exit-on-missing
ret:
1.19.35
